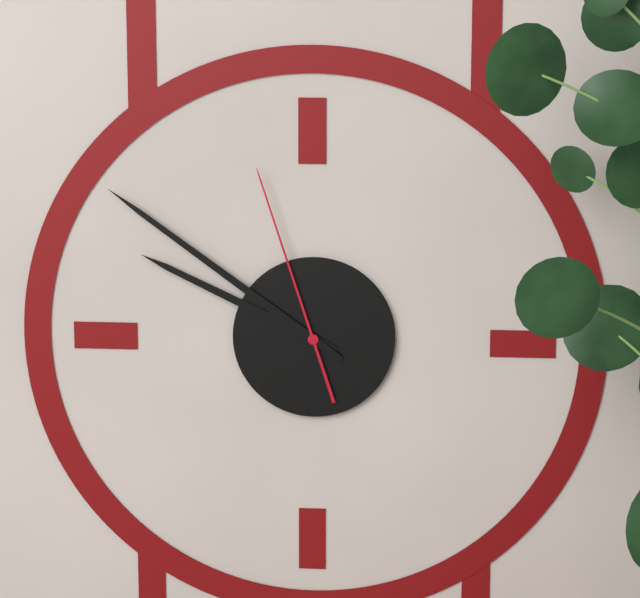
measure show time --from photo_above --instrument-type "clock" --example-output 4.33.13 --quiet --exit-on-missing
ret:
9.51.57
